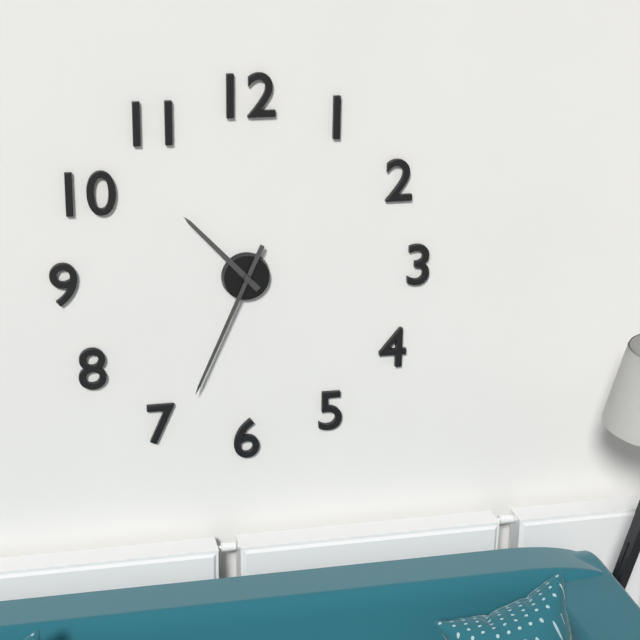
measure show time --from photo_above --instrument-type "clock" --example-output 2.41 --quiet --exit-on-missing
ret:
10.34
